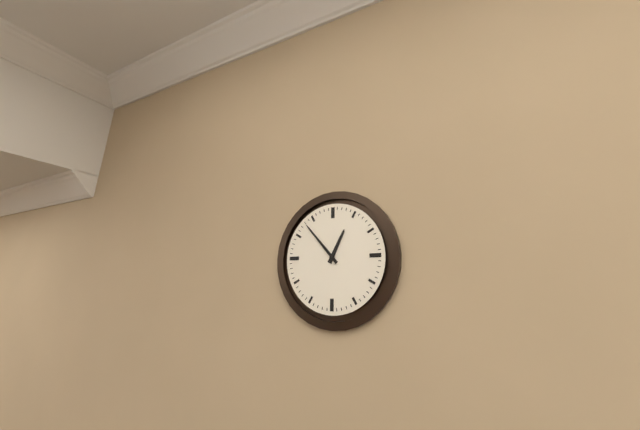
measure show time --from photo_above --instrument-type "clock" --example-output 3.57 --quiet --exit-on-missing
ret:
12.53
